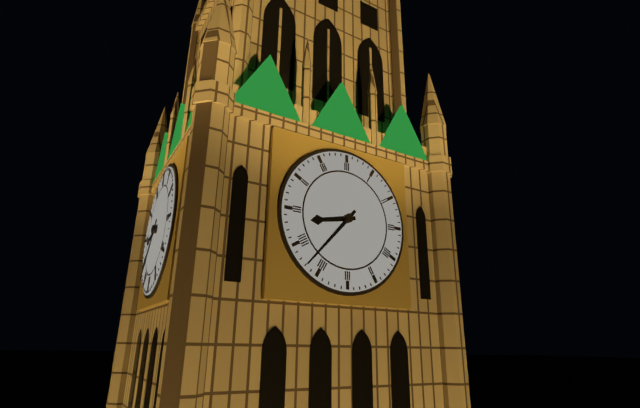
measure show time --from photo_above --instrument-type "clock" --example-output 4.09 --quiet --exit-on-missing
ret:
8.37
